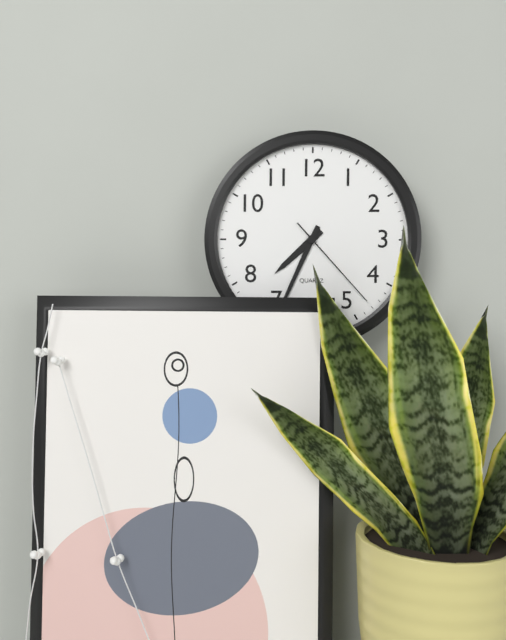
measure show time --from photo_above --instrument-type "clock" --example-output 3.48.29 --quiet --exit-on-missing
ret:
7.34.23
